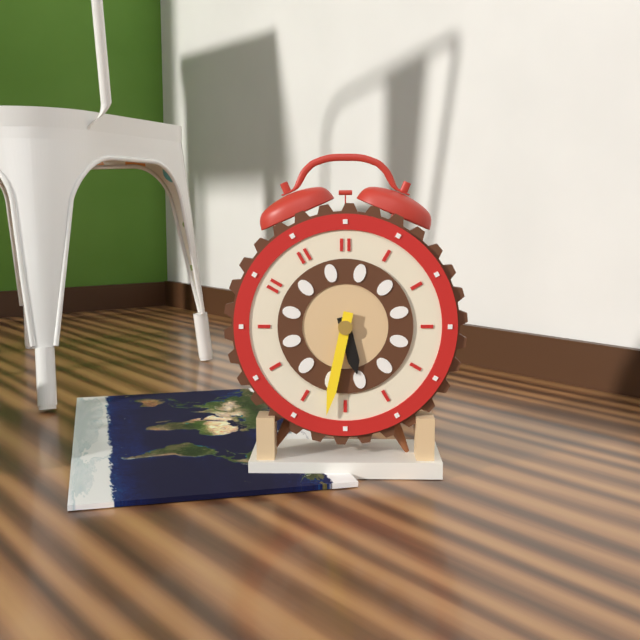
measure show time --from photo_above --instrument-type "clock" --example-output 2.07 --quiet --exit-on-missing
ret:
5.32
